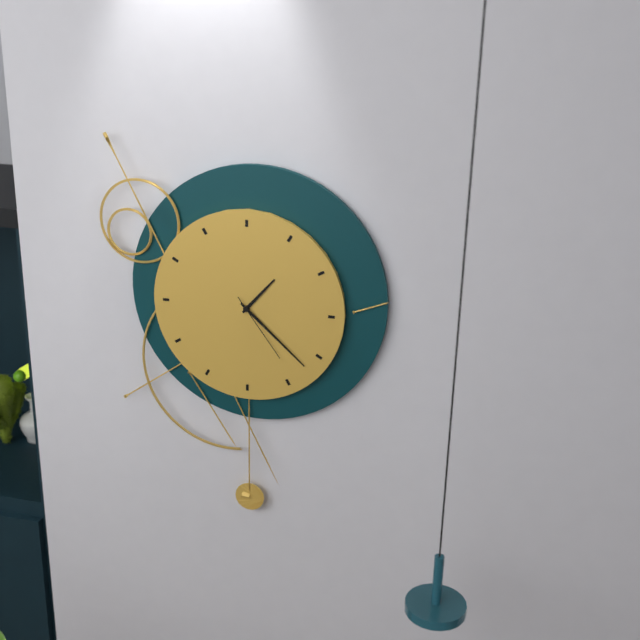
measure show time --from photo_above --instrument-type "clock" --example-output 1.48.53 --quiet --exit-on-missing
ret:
1.22.24
